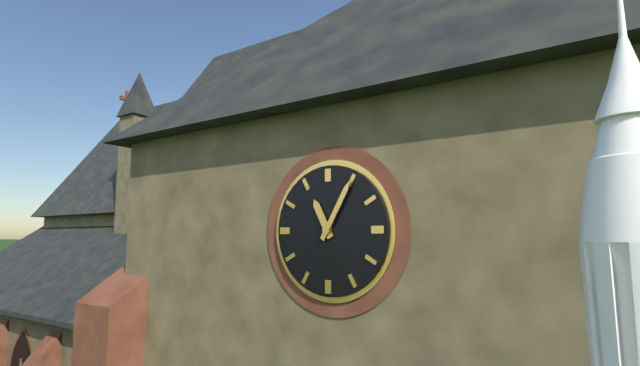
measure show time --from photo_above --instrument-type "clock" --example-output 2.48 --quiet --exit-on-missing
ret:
11.05
